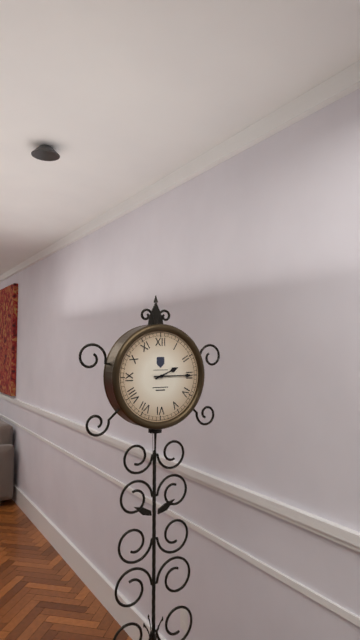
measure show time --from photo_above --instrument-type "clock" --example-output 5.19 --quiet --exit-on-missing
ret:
2.15
